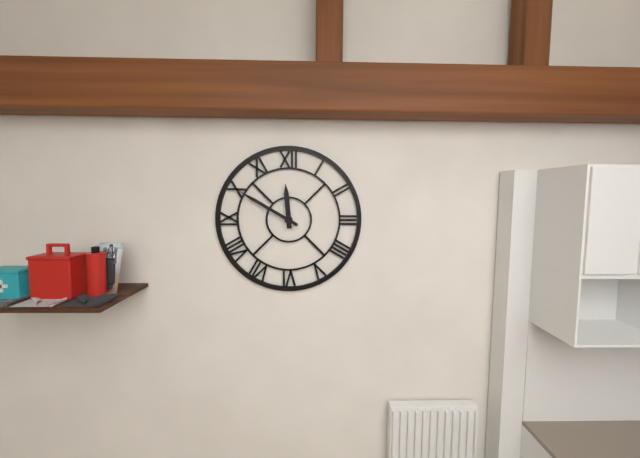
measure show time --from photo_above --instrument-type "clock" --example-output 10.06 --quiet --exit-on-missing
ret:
11.50
